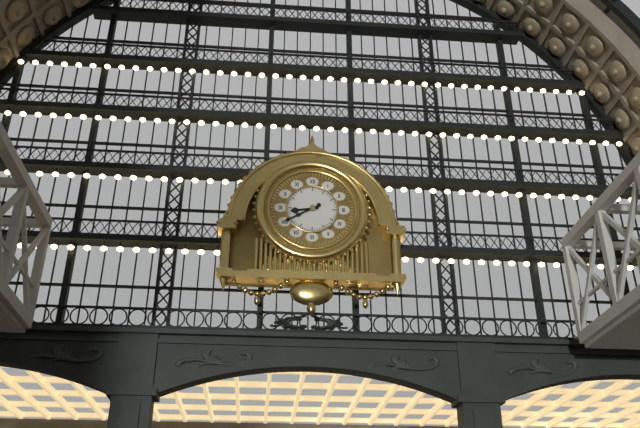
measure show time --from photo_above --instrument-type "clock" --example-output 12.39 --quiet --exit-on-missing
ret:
8.40
